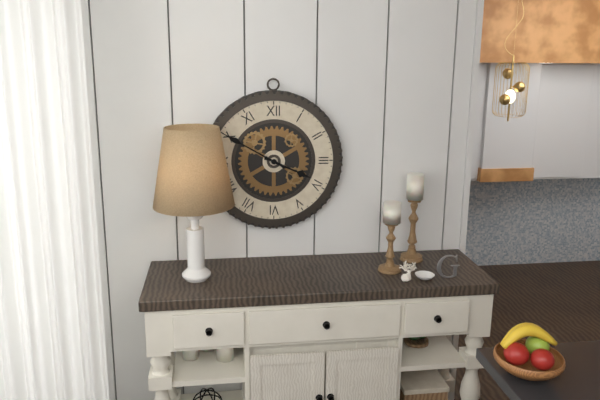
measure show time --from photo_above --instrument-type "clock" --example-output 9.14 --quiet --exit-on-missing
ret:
3.50
